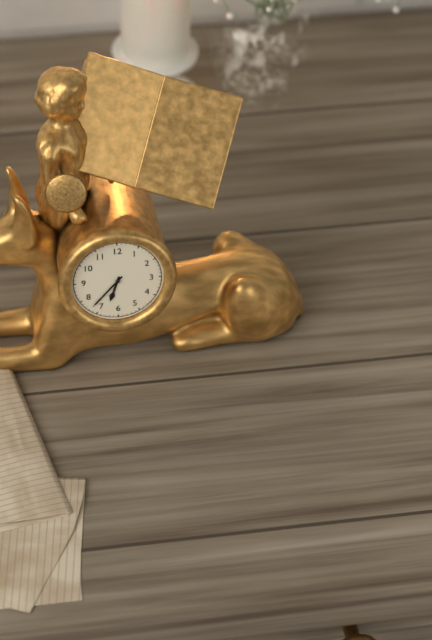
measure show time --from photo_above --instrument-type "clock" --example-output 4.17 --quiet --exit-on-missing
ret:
6.37
